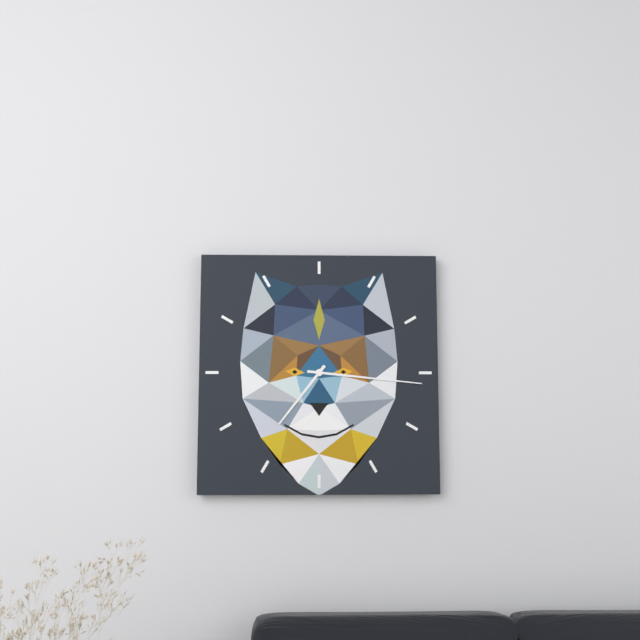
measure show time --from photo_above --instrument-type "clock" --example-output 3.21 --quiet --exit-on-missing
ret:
7.16
